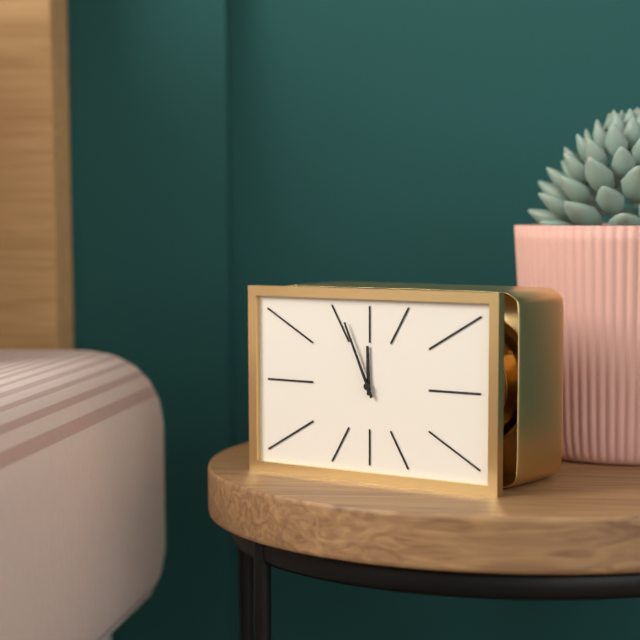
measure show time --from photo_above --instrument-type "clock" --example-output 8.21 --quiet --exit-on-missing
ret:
11.56
